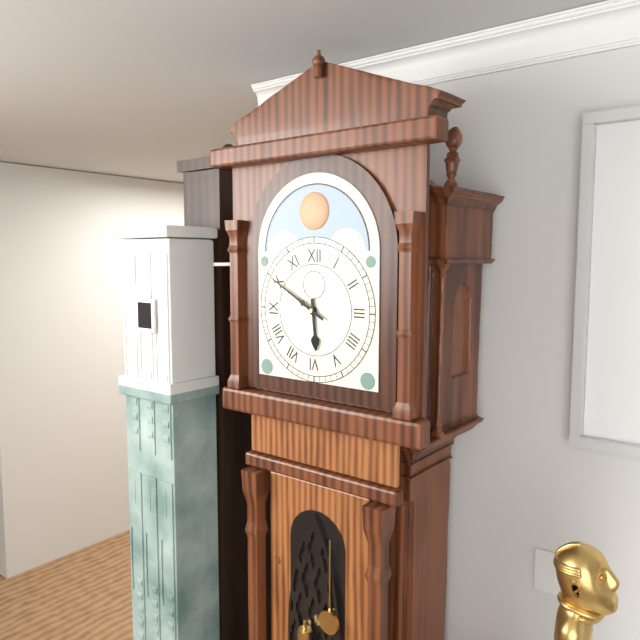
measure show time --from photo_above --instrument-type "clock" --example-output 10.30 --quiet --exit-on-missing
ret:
5.50
